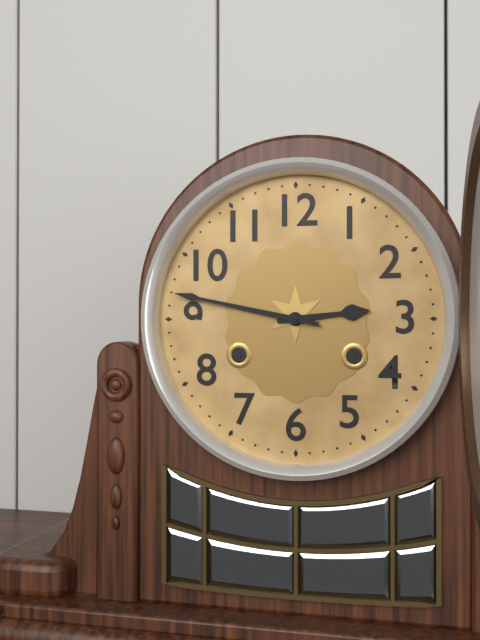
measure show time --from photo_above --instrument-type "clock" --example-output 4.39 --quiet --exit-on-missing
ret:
2.47
